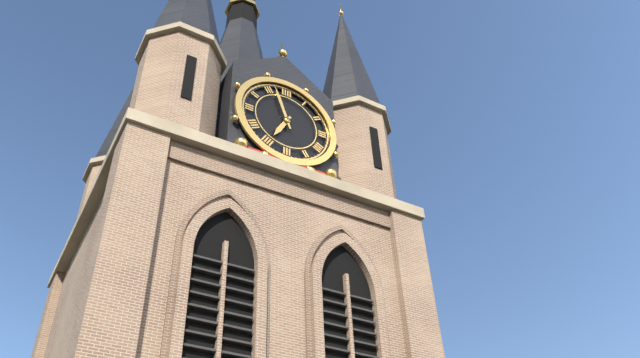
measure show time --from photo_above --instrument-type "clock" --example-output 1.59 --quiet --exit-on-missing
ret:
6.57
